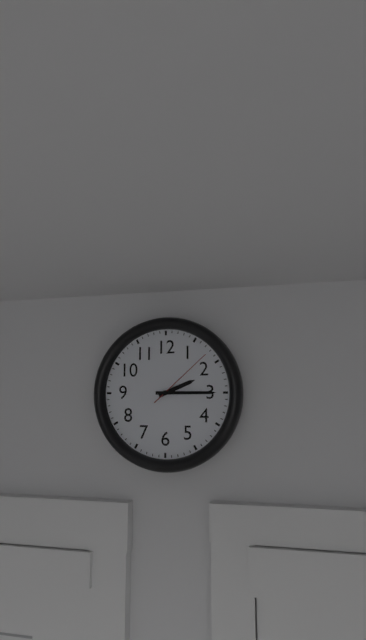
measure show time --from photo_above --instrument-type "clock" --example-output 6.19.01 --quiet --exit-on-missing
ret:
2.15.08
